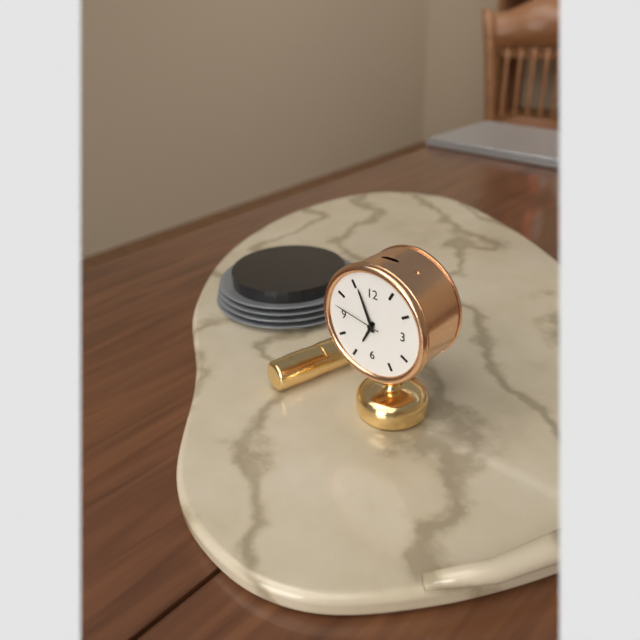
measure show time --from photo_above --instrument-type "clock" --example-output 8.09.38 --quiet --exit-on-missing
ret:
6.56.47
